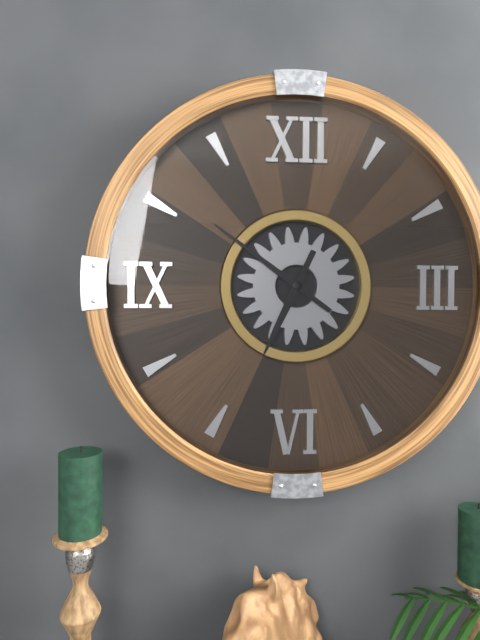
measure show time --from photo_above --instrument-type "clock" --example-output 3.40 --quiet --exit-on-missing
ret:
6.51
